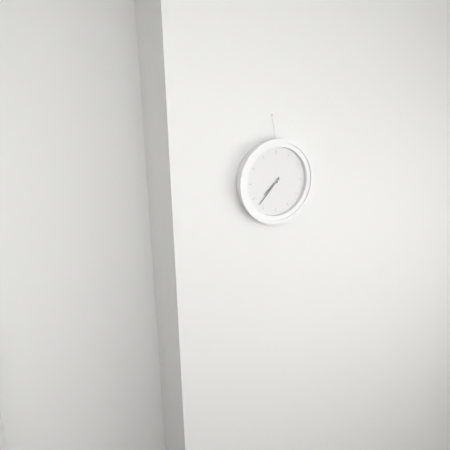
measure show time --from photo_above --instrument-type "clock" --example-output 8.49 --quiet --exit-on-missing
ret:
7.37
